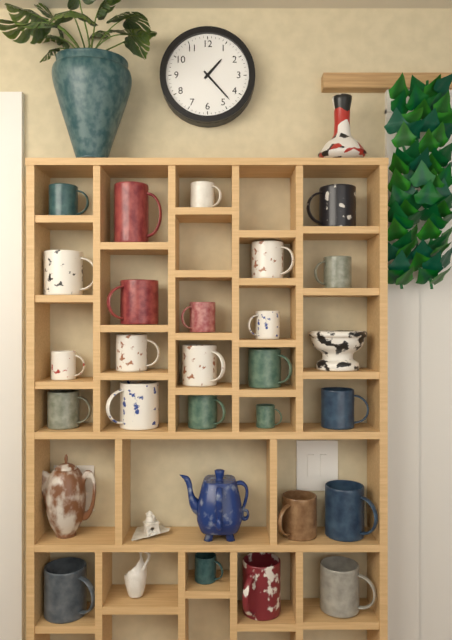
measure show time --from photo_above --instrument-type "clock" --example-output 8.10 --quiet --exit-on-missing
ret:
1.23
